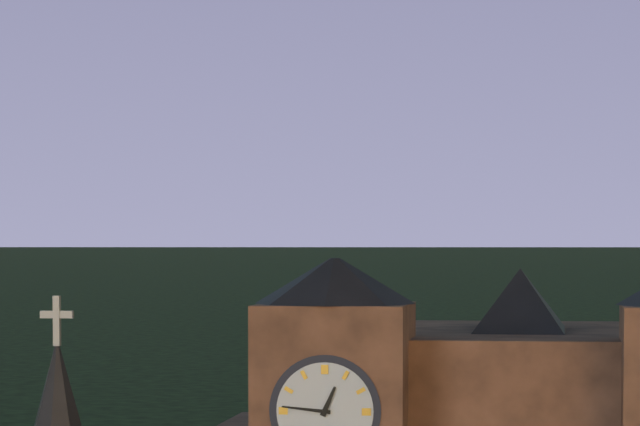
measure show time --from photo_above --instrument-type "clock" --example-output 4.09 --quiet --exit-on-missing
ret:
12.46
